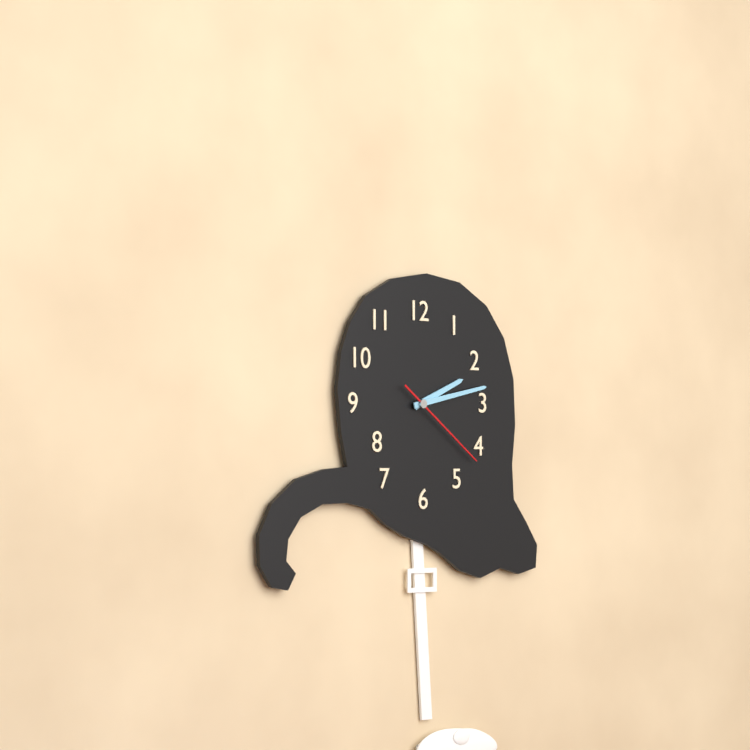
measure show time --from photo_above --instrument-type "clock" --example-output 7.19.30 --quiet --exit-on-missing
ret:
2.13.21
